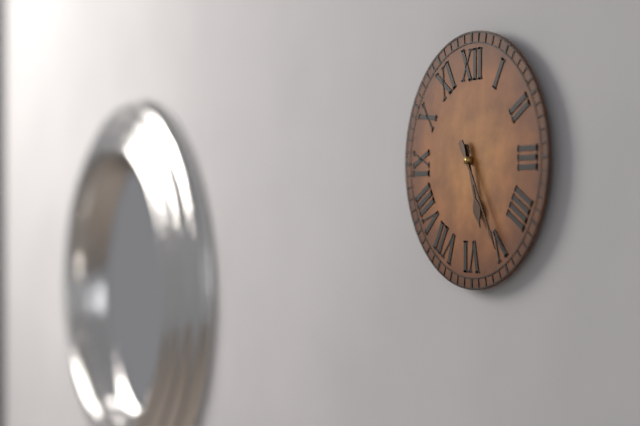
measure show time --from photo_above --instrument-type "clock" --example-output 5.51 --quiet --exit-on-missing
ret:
5.25
